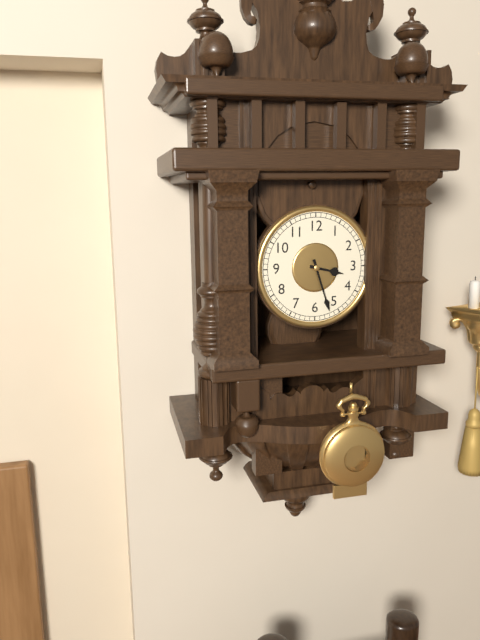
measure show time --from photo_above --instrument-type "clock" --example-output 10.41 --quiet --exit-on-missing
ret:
3.27
